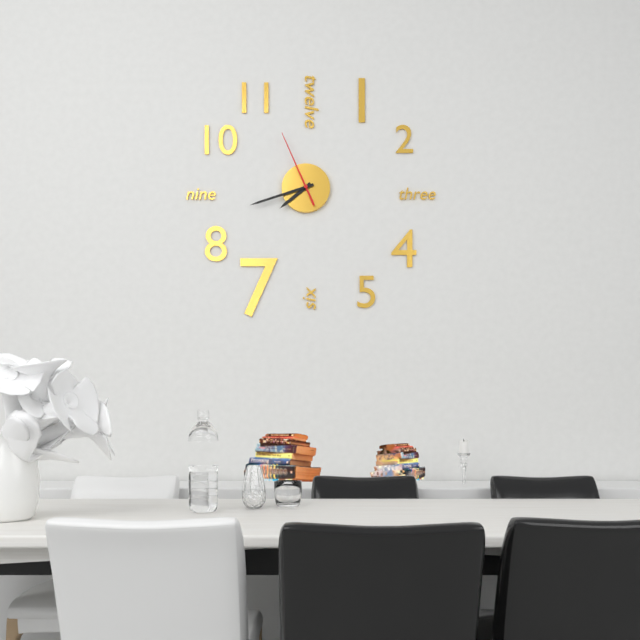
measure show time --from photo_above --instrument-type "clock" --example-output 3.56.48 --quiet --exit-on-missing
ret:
7.42.56
